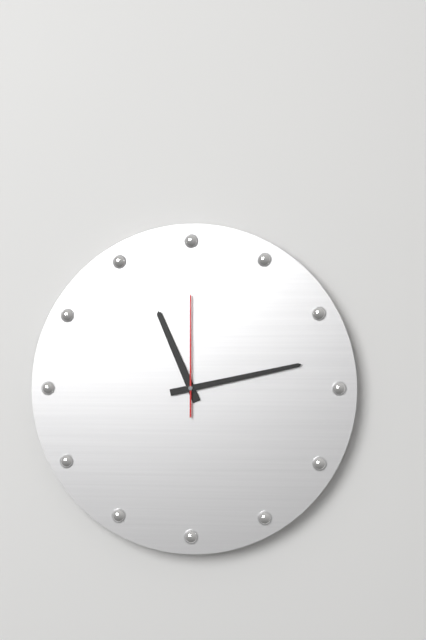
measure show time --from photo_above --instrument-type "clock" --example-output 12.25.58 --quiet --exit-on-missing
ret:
11.13.00
